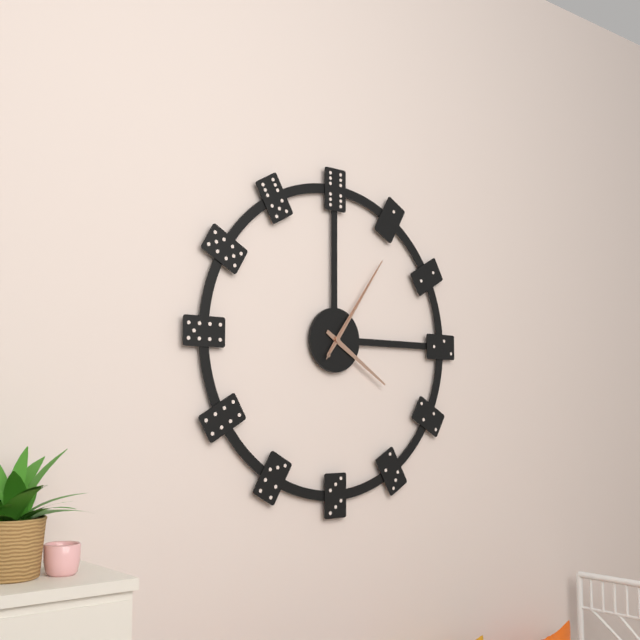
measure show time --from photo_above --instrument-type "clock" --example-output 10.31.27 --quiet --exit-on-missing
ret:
4.06.06
